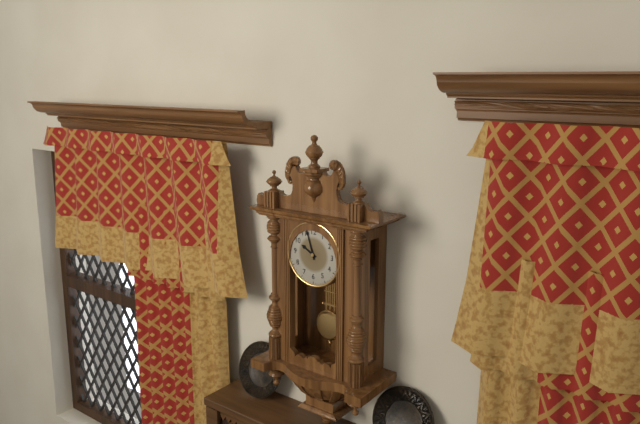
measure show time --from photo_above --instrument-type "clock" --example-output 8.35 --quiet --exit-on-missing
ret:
9.57
